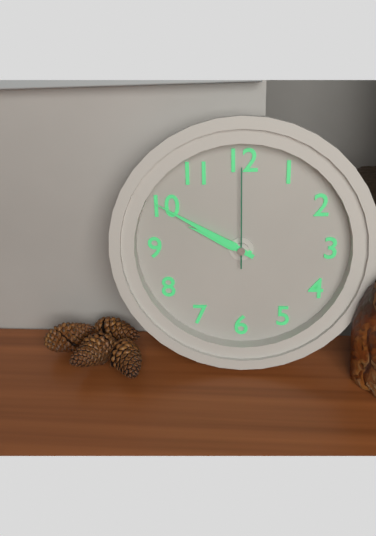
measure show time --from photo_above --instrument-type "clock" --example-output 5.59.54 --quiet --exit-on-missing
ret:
9.50.00
